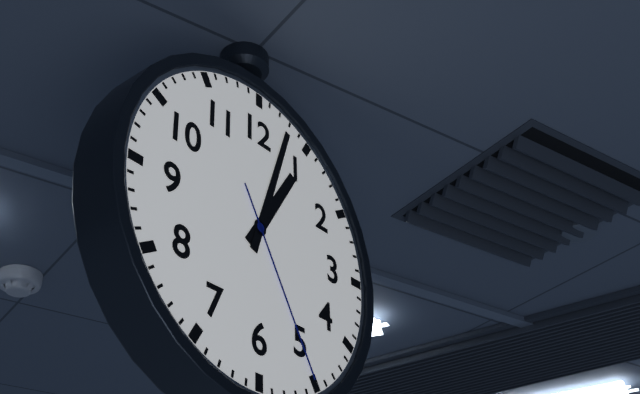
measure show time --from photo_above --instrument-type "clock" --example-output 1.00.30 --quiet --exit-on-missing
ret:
1.03.25
